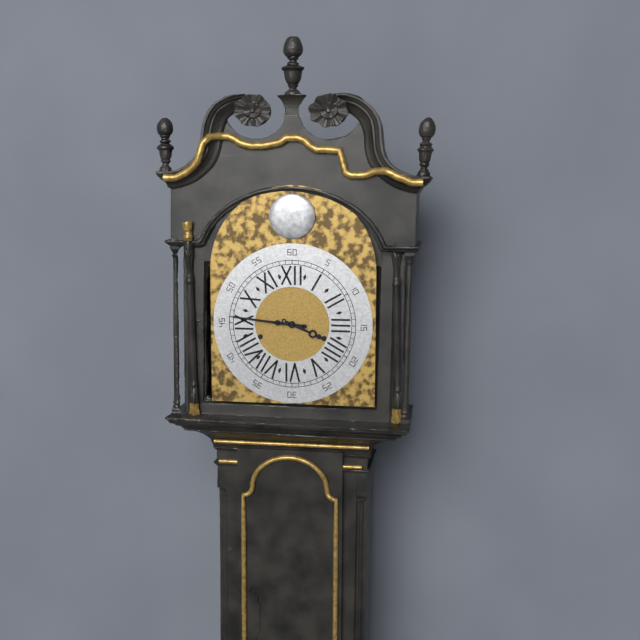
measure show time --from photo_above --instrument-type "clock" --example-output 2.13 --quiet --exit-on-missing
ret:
3.46
